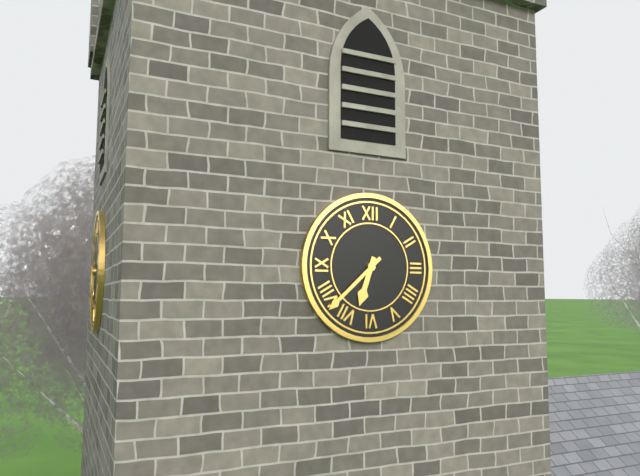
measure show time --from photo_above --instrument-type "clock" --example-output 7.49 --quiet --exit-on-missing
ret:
6.38
